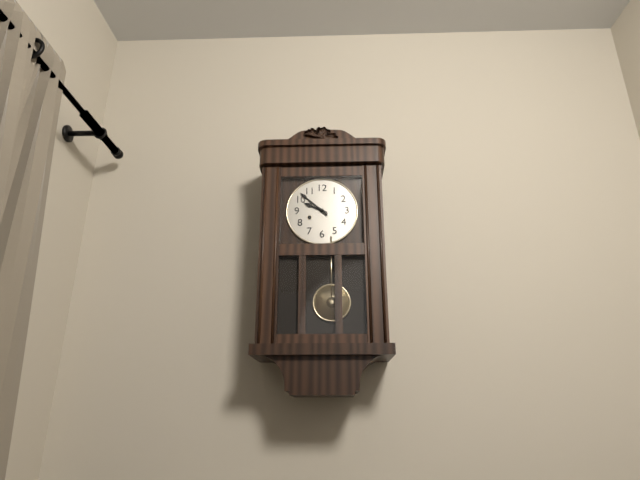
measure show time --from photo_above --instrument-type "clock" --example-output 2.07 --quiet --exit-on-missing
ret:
9.52
